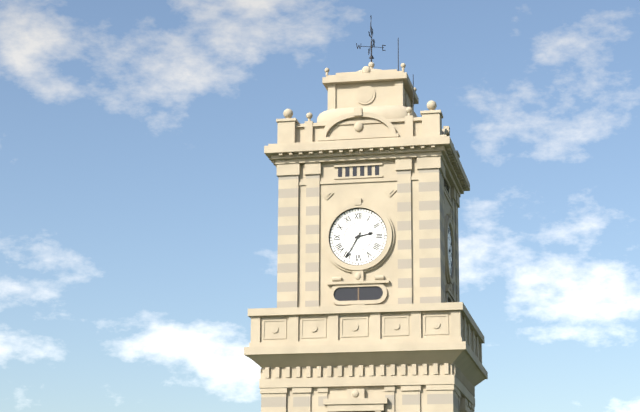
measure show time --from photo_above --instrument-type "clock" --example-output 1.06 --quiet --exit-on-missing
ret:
2.35
